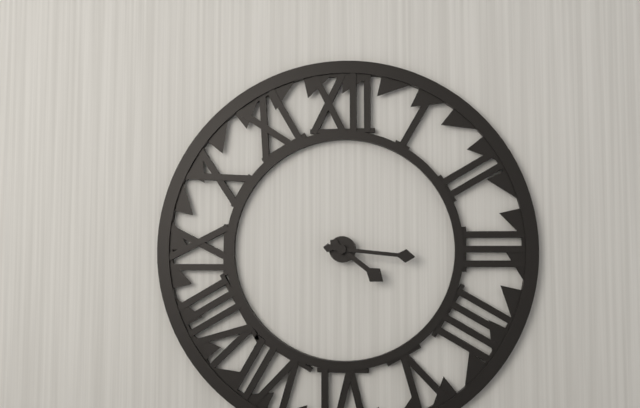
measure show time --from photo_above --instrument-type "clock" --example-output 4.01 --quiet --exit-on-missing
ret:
4.16
